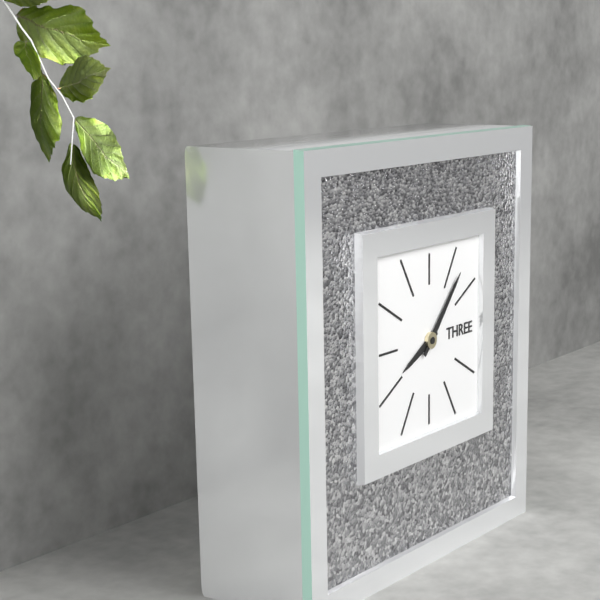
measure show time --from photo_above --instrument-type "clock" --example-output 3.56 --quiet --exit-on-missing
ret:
8.07
